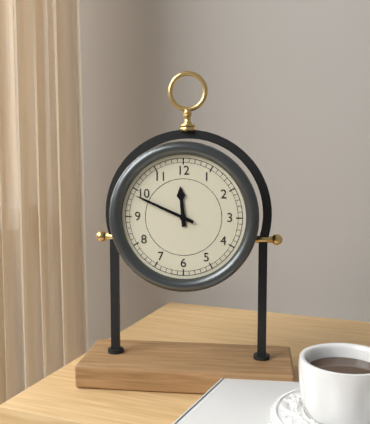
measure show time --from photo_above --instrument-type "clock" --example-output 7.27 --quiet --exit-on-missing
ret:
11.49
